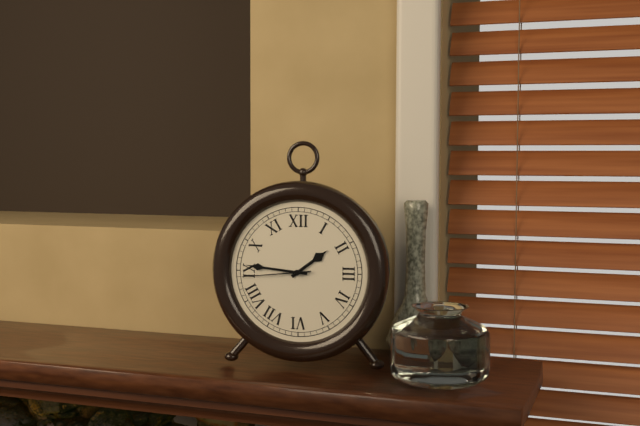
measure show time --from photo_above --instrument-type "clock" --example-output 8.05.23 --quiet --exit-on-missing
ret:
1.46.44
